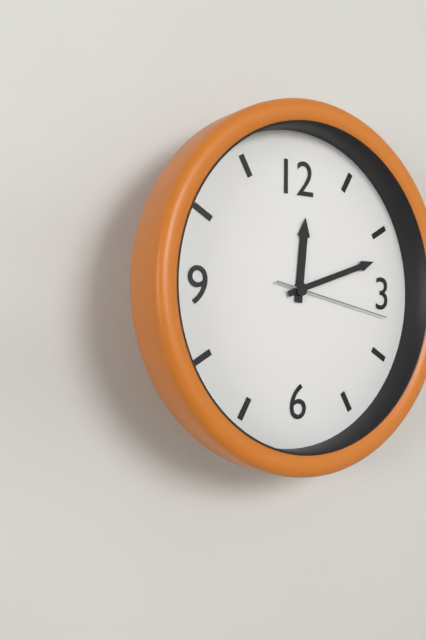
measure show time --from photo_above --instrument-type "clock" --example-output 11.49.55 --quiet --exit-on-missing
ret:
12.12.17
